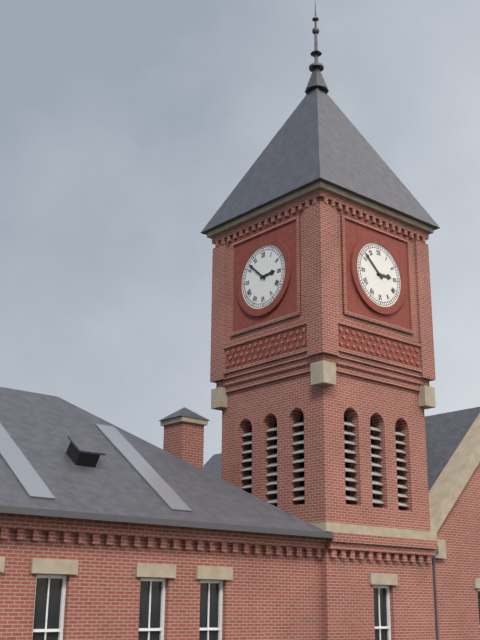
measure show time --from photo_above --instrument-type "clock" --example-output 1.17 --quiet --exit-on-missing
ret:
2.52
